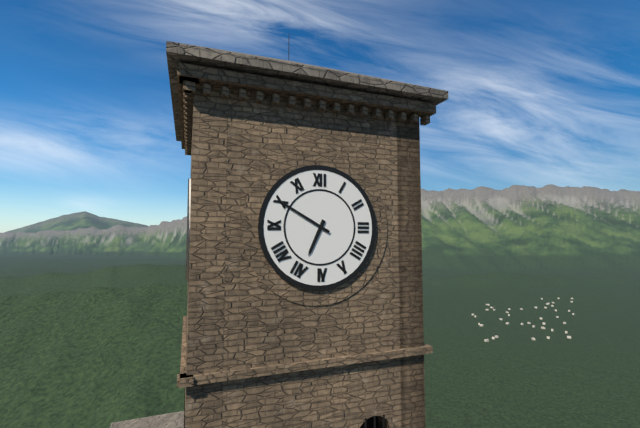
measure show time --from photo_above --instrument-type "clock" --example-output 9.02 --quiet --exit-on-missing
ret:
6.50
